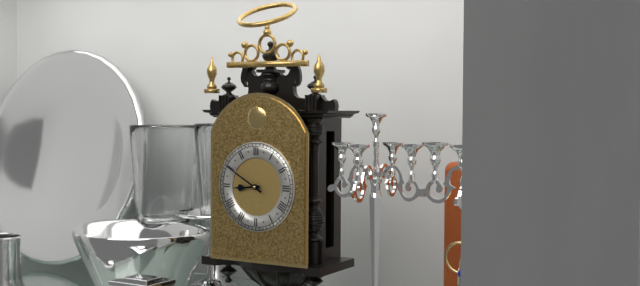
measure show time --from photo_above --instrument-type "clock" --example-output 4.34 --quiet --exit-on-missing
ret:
8.50
